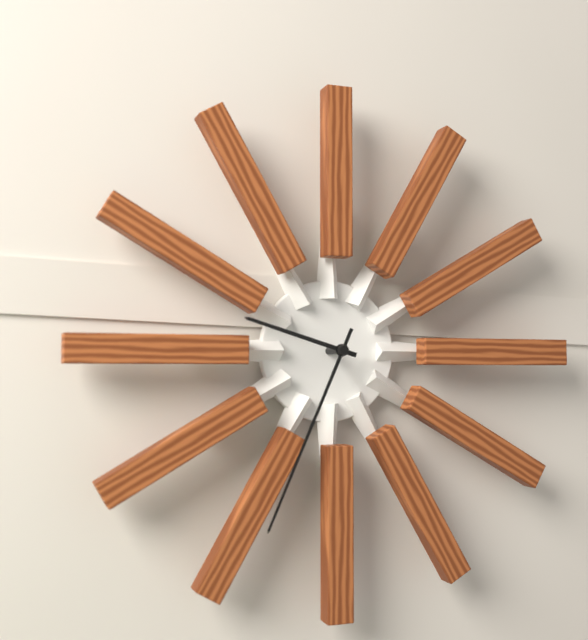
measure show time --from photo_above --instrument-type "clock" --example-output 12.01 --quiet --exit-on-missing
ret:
9.34
